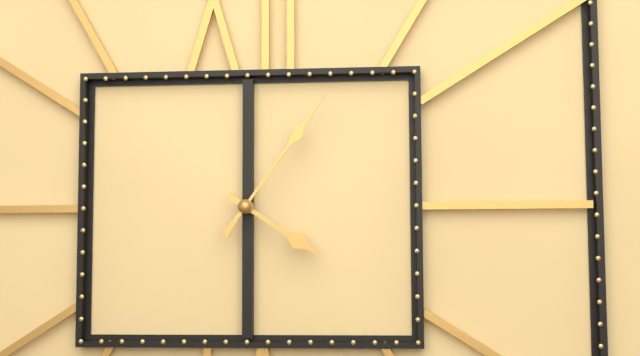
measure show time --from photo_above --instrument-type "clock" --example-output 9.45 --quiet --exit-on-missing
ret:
4.06
